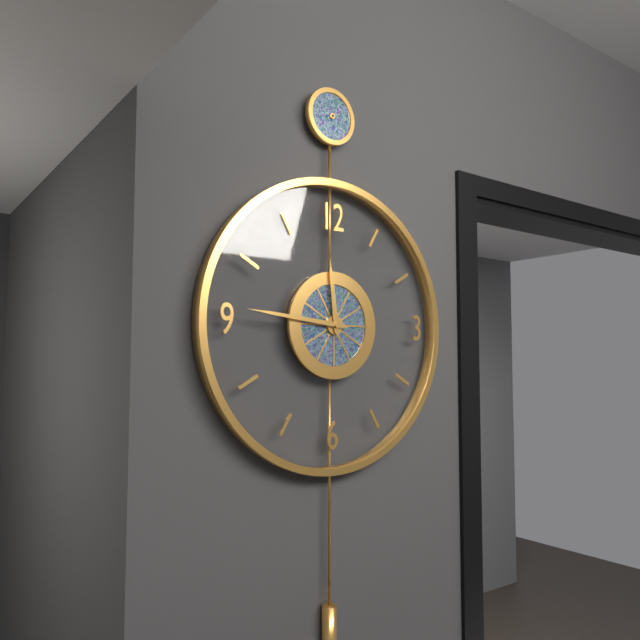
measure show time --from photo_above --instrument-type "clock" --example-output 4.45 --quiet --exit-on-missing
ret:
11.46
